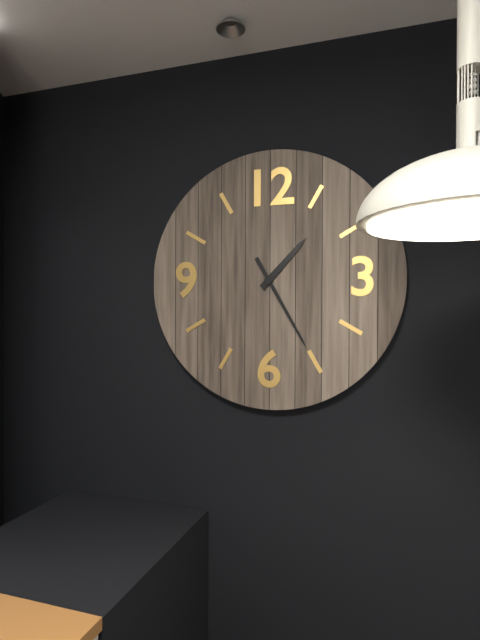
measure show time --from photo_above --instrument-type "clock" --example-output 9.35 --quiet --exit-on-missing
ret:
1.25
